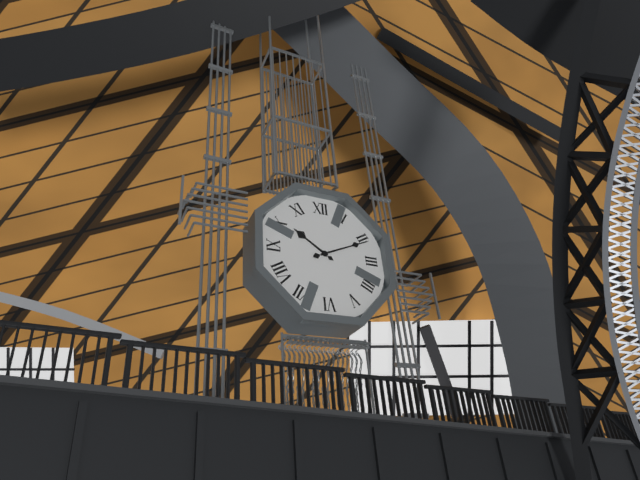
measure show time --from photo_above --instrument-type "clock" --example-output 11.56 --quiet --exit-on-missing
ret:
10.11
